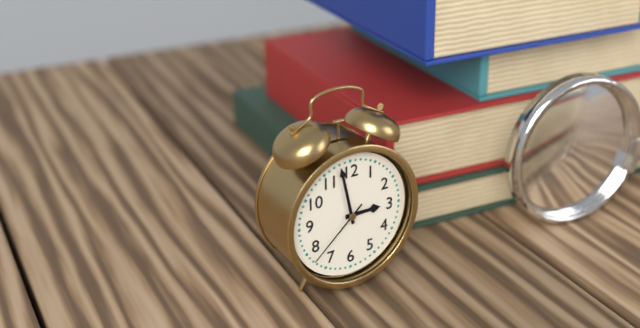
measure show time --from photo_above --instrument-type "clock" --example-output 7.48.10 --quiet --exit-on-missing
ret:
2.58.38
